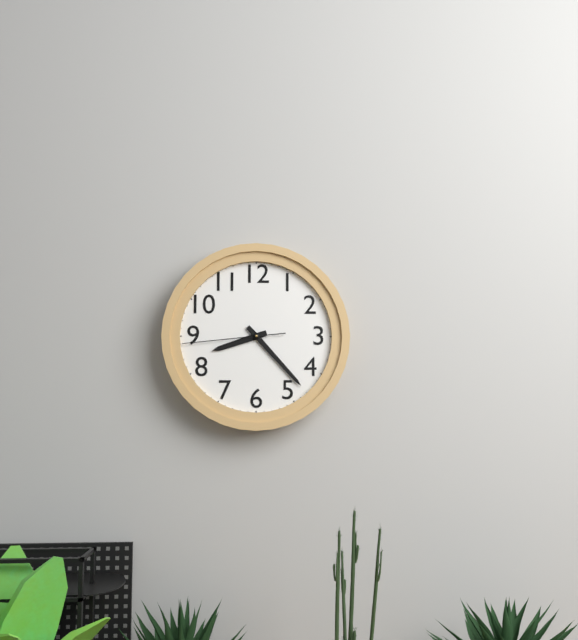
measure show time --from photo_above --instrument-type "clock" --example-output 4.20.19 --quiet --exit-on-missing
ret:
8.23.44
